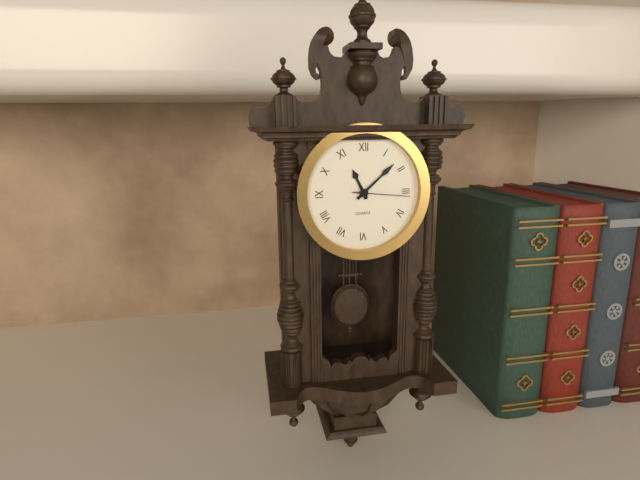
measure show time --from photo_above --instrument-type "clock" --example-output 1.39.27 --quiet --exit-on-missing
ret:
11.08.16
